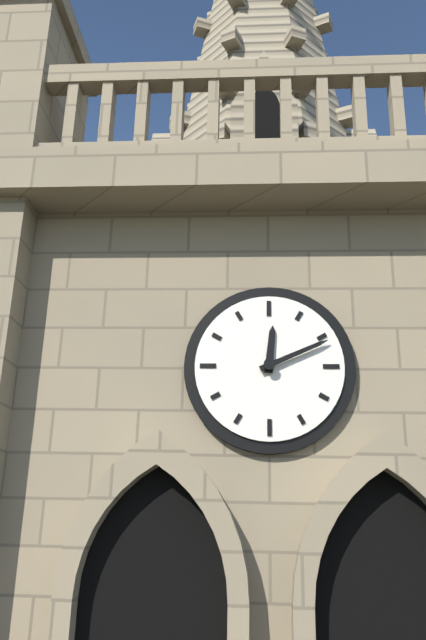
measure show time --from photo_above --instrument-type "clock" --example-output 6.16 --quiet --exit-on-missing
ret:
12.11
